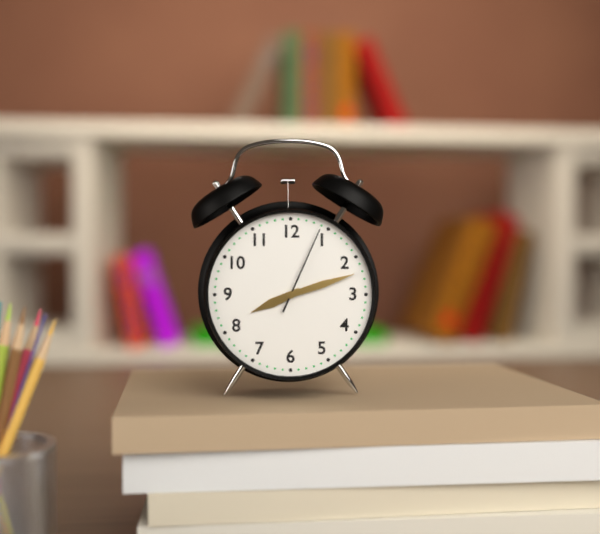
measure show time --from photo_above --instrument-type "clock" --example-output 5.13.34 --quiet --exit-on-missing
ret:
8.12.04
